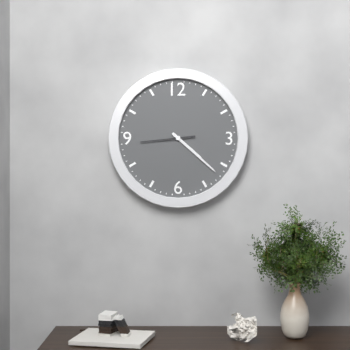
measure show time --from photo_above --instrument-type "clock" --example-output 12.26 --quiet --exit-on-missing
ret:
4.22
